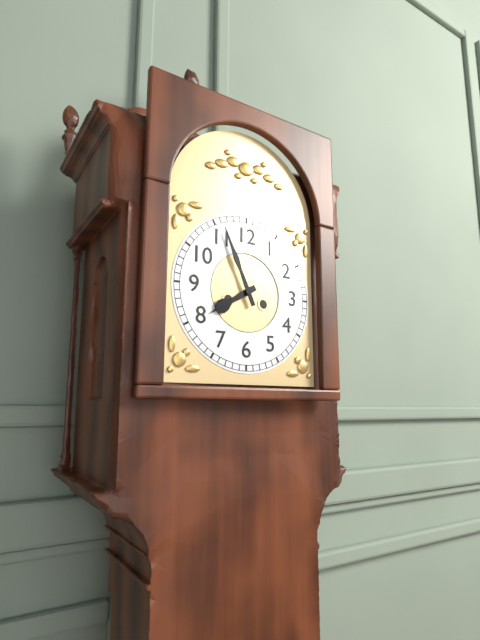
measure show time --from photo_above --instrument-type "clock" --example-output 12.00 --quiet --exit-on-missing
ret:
7.56
